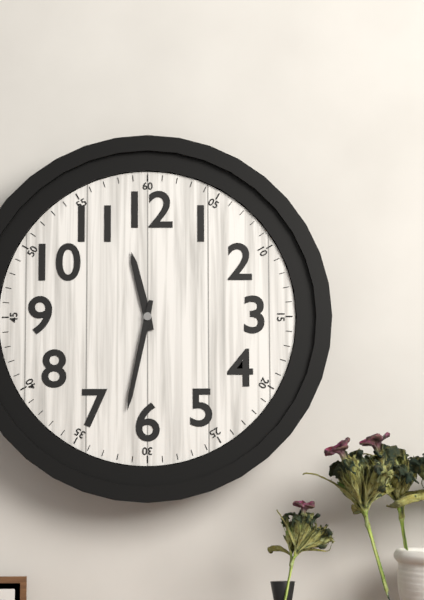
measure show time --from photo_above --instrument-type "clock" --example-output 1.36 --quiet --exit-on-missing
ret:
11.32
